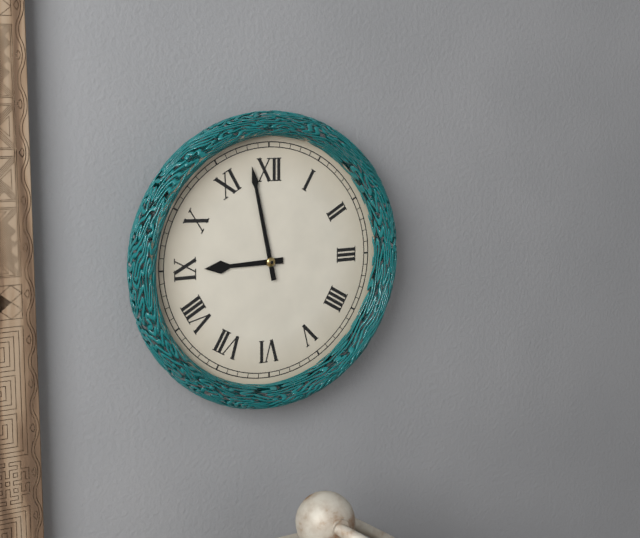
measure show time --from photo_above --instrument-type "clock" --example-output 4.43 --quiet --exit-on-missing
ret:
8.58
